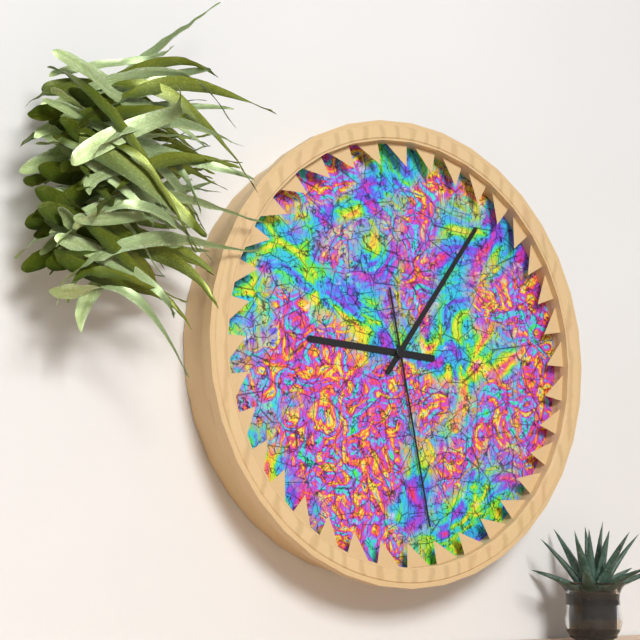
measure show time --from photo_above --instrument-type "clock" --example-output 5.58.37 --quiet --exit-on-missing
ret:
9.06.28
